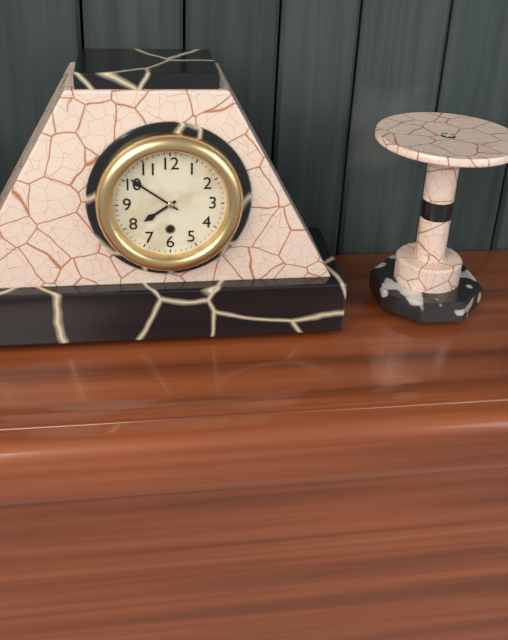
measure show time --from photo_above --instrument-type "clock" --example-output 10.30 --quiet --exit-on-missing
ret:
7.51
